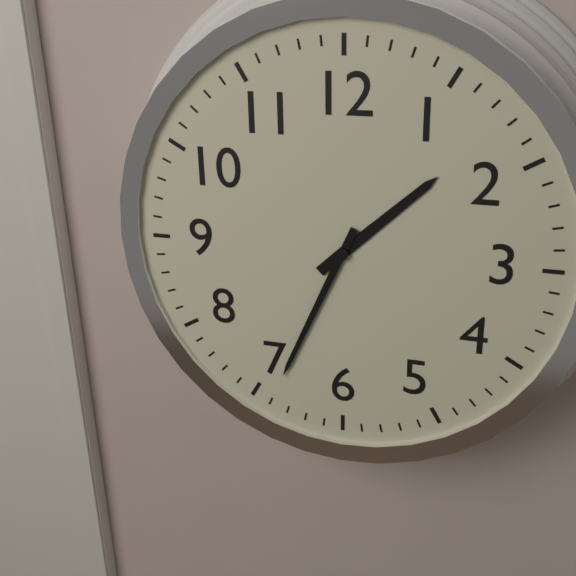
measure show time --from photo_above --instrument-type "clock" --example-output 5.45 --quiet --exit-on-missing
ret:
1.34
